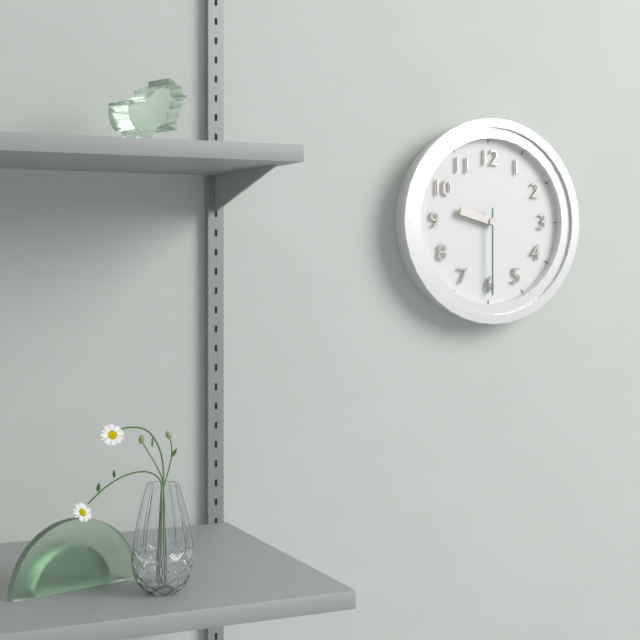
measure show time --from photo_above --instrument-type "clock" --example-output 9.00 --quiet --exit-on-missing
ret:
9.30
